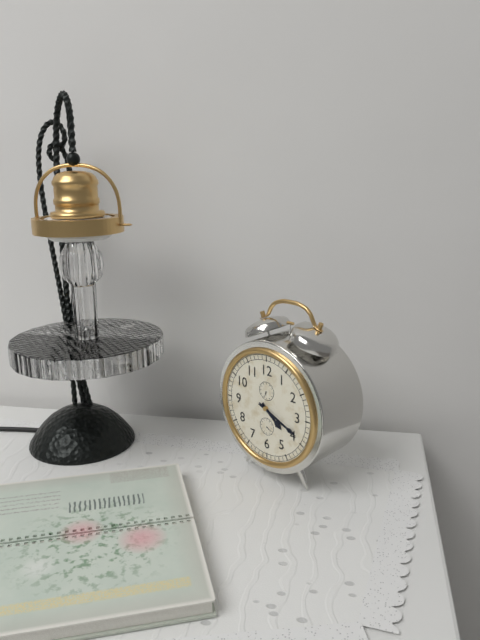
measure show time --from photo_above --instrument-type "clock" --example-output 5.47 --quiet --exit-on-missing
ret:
4.19
